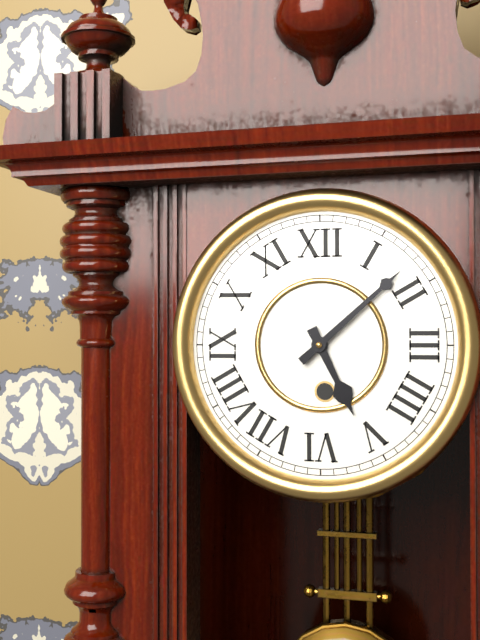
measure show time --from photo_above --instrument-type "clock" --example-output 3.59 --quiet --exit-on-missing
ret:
5.08
